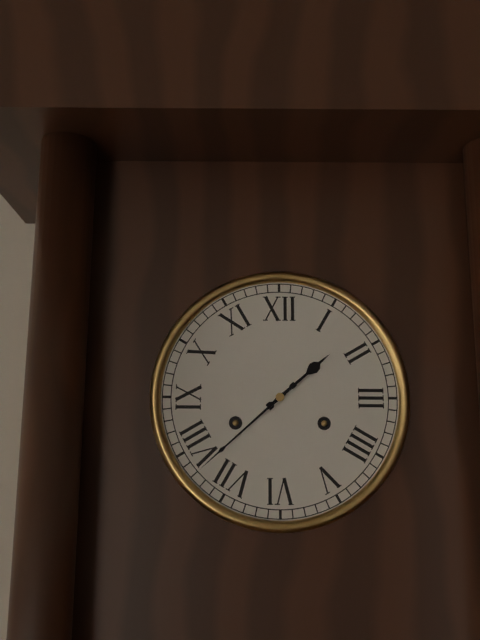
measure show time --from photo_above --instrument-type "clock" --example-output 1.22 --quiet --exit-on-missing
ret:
1.38
